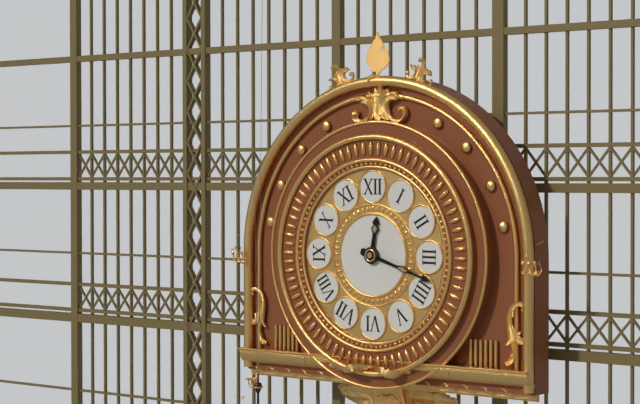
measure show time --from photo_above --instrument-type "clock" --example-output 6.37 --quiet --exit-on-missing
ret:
12.18
